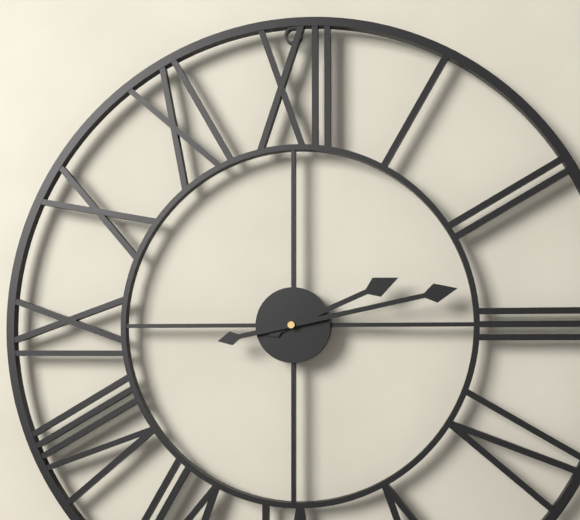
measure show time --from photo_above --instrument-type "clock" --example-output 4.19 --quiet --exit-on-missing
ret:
2.13
